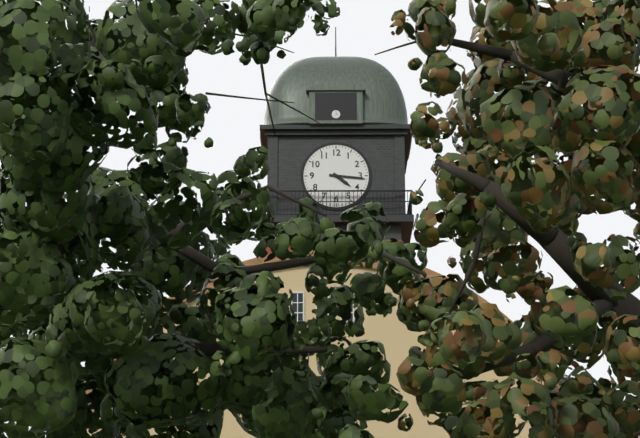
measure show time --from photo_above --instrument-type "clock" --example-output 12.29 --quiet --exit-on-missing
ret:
4.16
